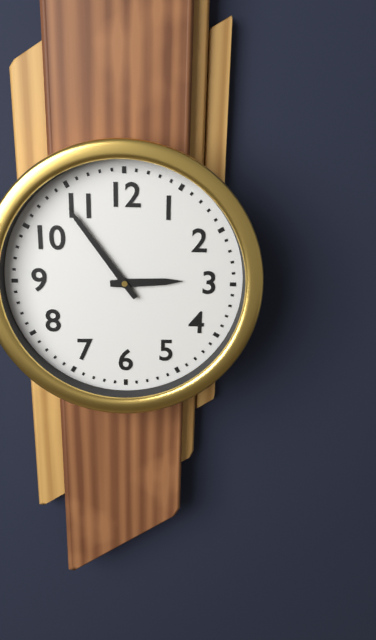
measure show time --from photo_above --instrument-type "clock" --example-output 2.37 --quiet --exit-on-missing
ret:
2.54
